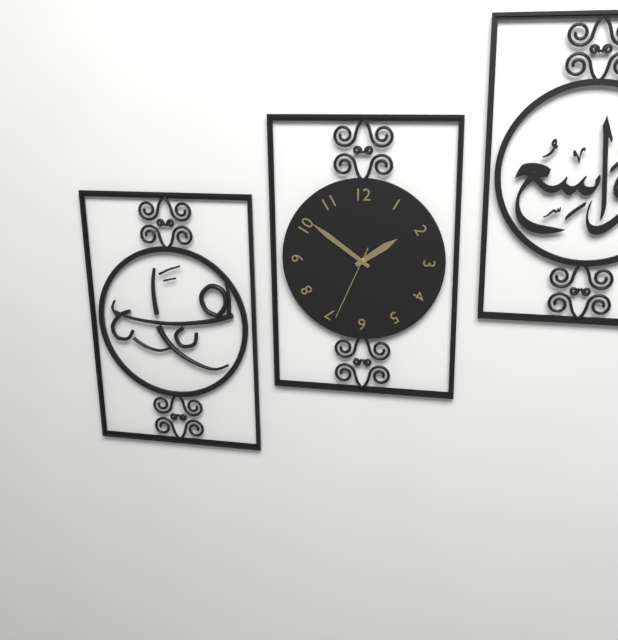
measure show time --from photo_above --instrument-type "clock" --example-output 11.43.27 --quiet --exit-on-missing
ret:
1.51.34
